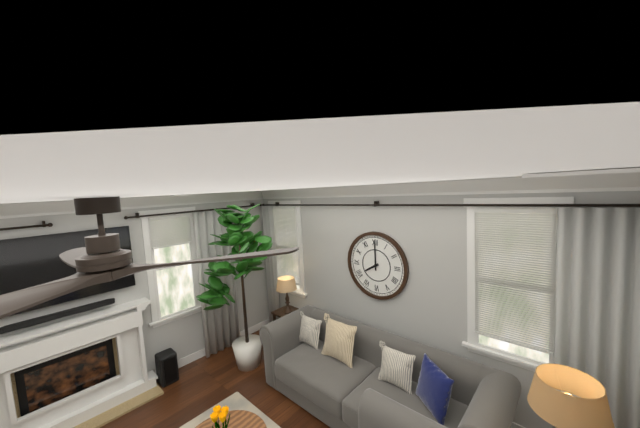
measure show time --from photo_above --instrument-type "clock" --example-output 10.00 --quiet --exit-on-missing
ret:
8.00
